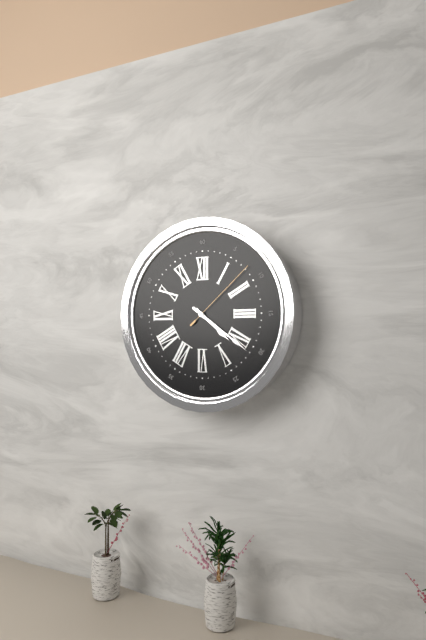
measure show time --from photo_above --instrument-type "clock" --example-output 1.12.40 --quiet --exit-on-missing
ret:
4.21.08
